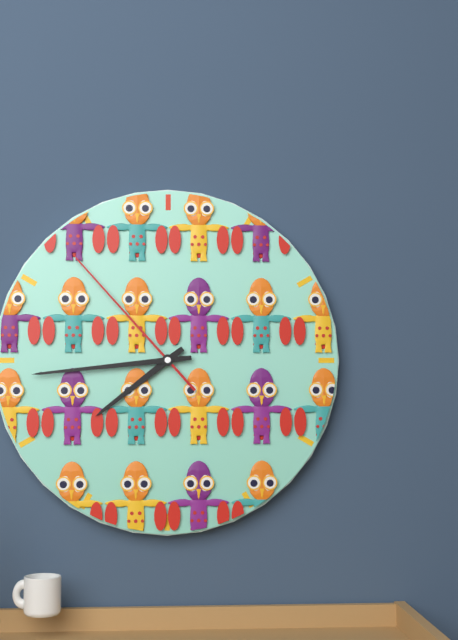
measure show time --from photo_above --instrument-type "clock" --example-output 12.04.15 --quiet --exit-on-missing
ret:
7.44.53
